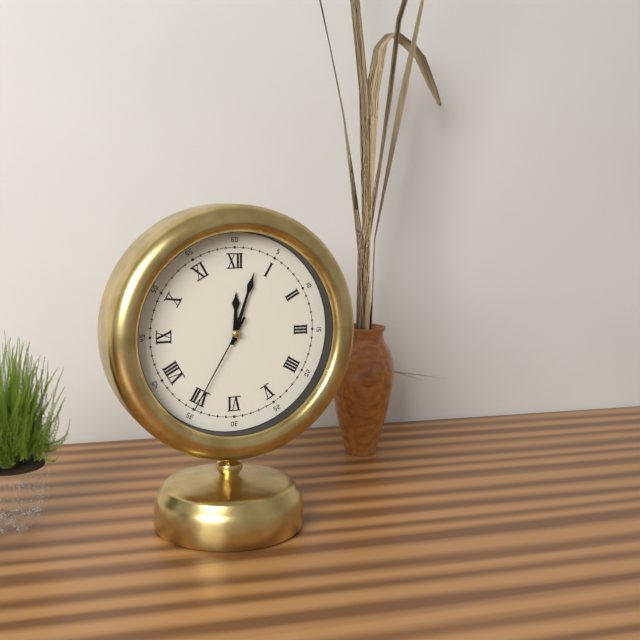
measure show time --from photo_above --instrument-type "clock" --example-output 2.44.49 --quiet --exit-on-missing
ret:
12.03.35
